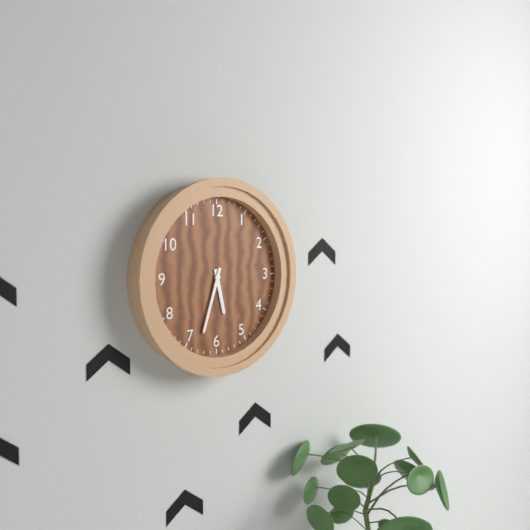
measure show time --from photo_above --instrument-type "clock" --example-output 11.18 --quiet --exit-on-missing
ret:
5.33
